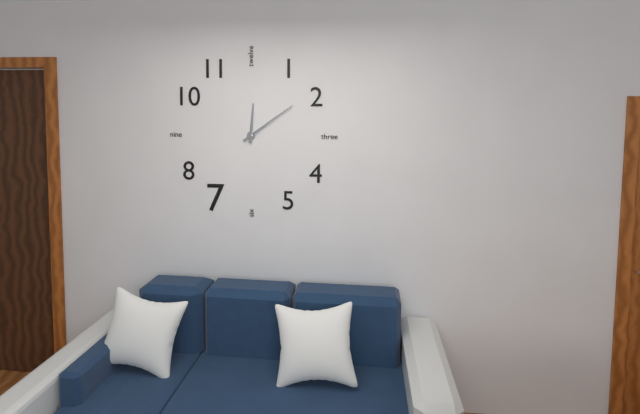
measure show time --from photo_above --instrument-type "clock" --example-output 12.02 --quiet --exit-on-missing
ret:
12.09
